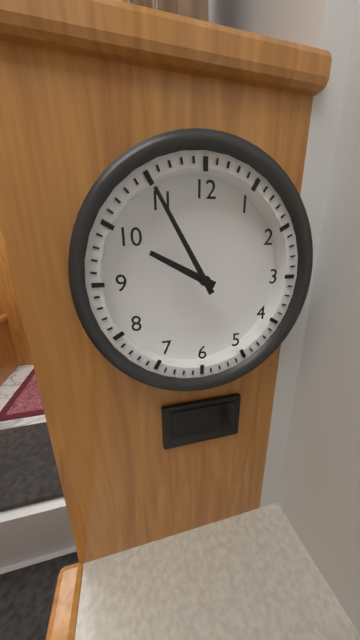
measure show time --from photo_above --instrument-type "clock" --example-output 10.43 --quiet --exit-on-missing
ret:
9.55
